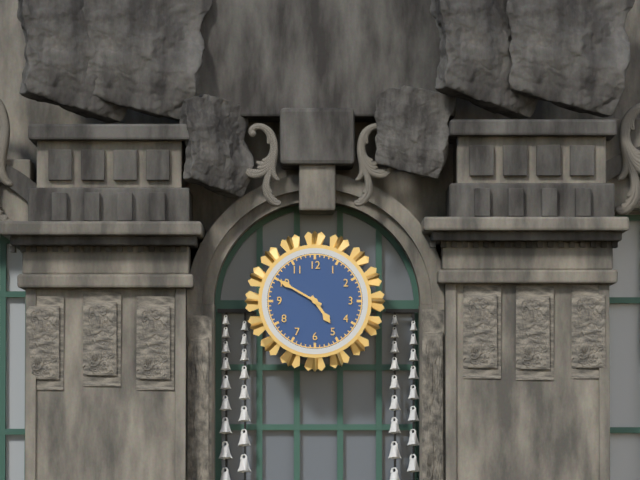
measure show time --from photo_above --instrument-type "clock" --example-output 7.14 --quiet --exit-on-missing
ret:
4.50
